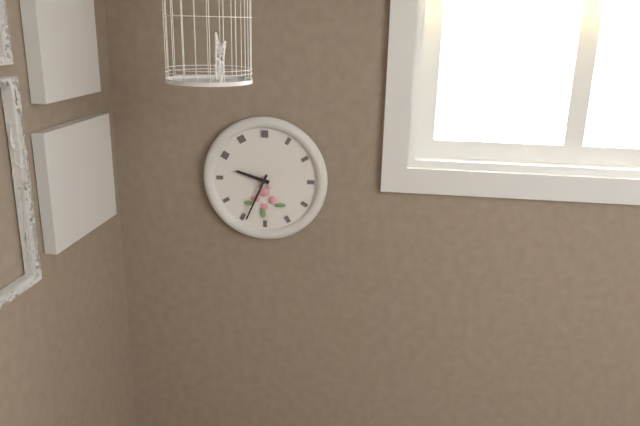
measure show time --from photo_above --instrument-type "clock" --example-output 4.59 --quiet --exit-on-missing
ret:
9.34
